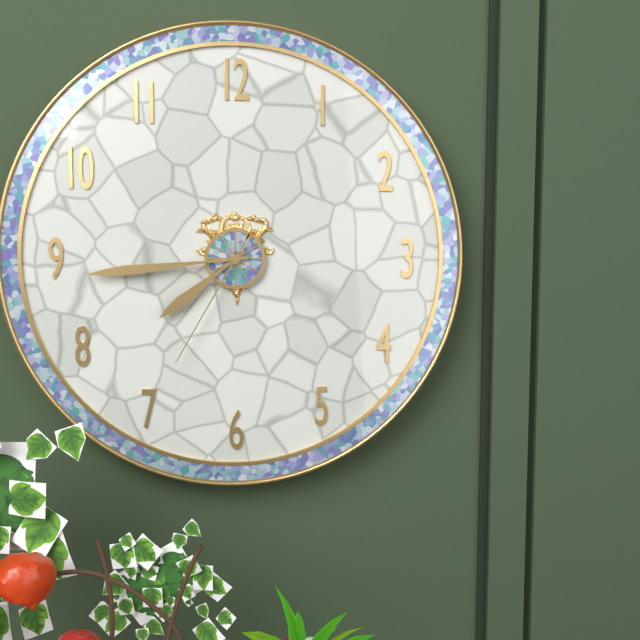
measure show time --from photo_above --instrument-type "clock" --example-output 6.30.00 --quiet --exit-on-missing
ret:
7.44.35
